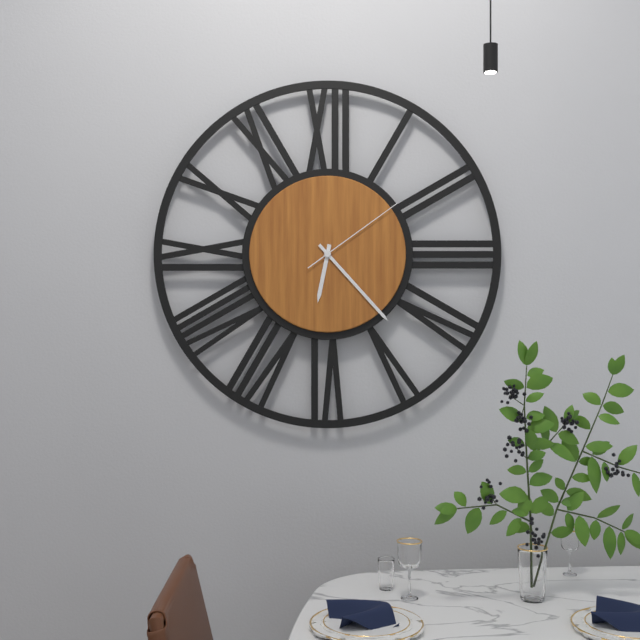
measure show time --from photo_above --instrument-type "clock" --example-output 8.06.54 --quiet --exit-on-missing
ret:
6.23.09
